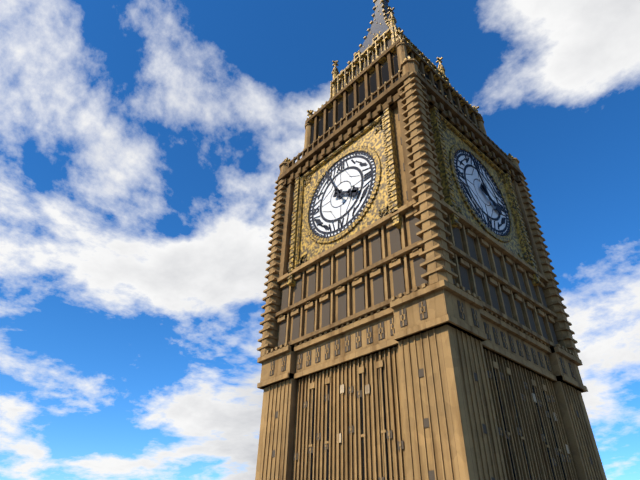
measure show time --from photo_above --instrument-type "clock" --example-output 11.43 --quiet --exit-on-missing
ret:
3.56
